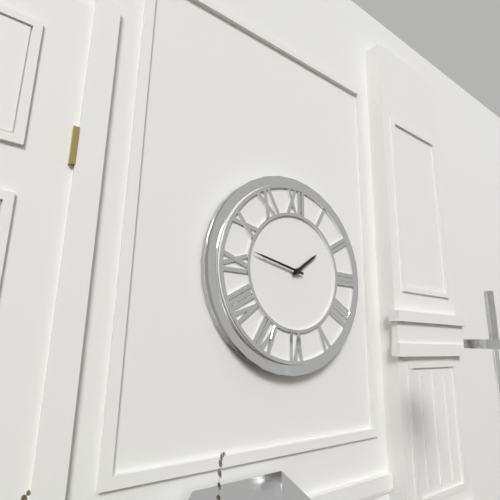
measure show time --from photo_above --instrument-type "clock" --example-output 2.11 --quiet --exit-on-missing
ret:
1.47
